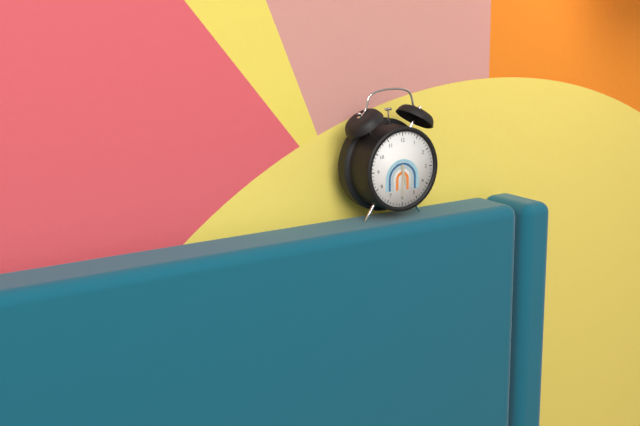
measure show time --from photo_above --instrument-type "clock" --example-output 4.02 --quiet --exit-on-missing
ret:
5.30
